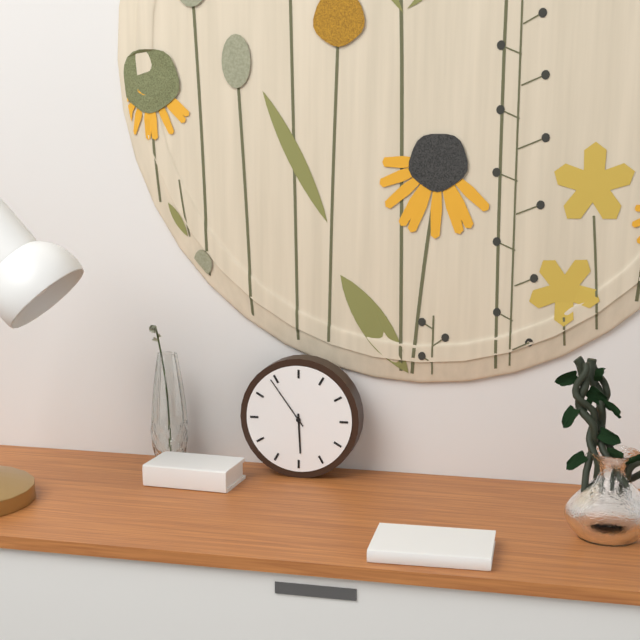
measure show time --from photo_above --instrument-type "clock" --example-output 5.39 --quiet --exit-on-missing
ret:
5.54
